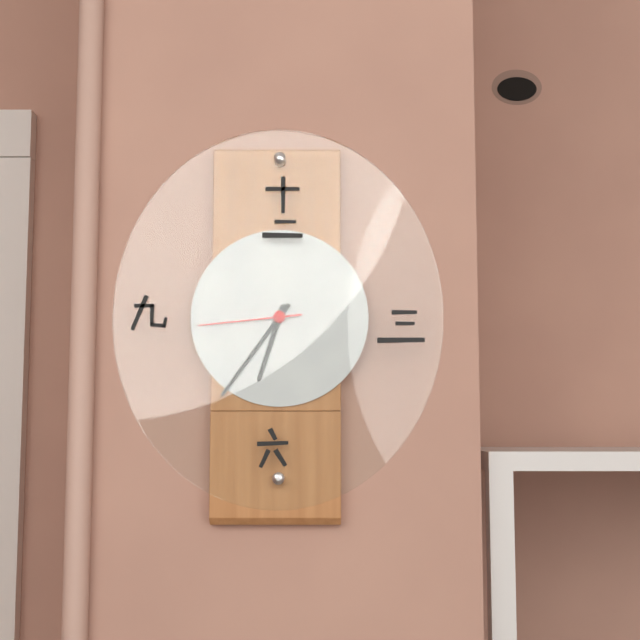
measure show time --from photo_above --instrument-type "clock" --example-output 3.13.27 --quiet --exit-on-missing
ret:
6.36.44
